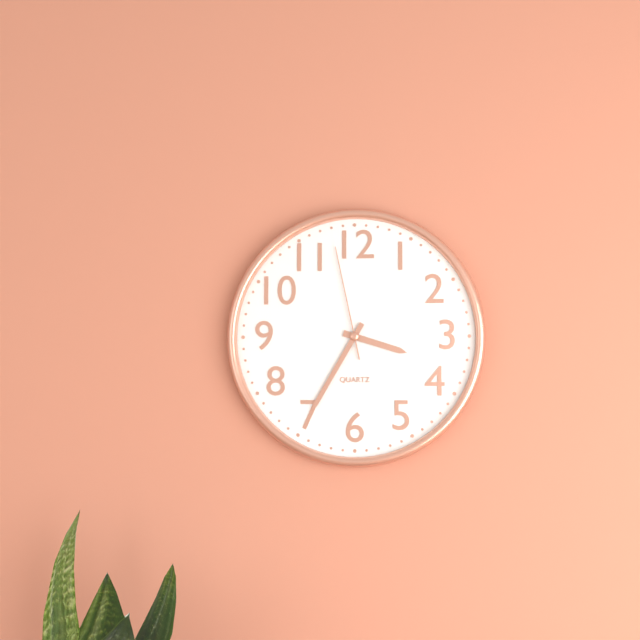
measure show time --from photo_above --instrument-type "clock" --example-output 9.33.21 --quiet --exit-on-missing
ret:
3.35.58
